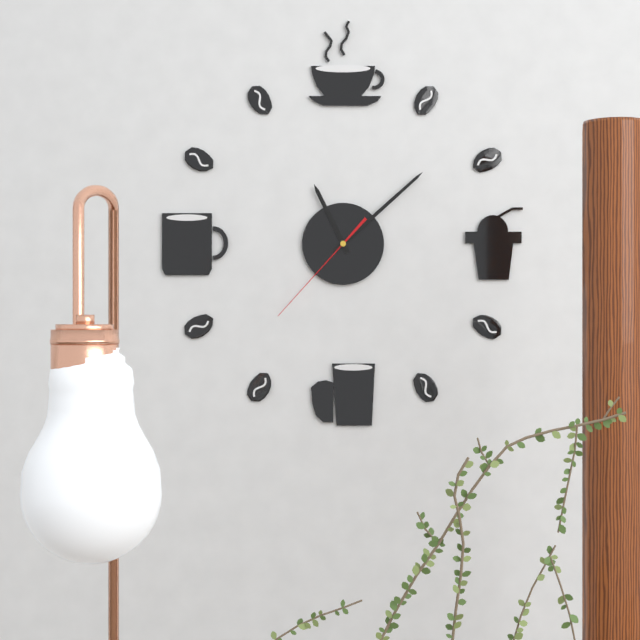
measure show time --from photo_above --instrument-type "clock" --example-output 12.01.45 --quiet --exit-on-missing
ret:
11.08.37
